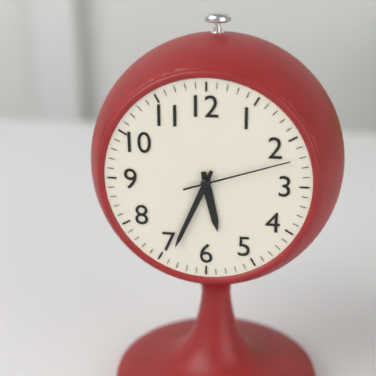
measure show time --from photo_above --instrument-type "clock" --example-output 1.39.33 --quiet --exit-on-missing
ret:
5.34.12
